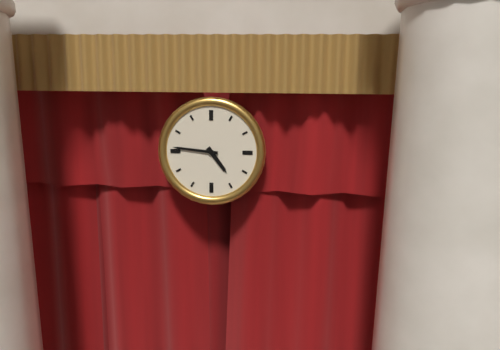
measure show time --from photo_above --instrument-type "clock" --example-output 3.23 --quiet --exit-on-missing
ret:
4.46
